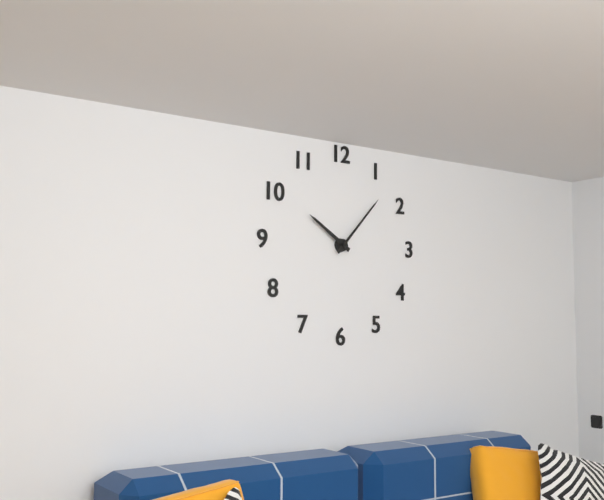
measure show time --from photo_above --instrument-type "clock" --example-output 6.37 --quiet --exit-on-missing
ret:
10.07
